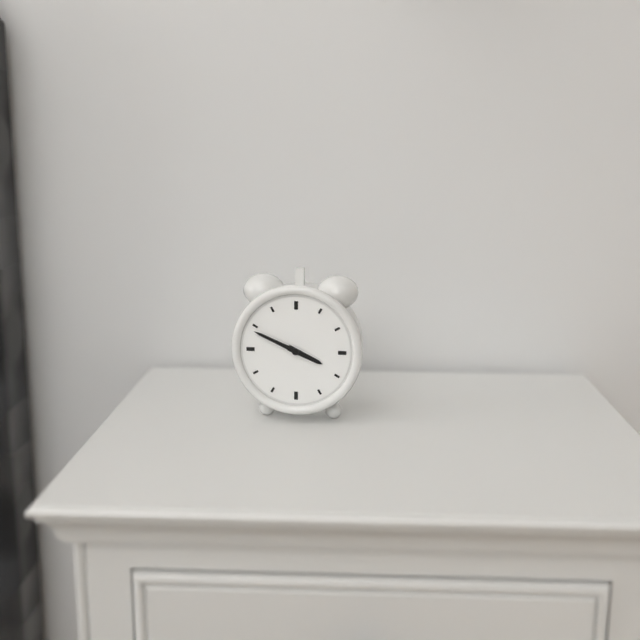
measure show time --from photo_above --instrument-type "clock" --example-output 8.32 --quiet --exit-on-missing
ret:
3.49
